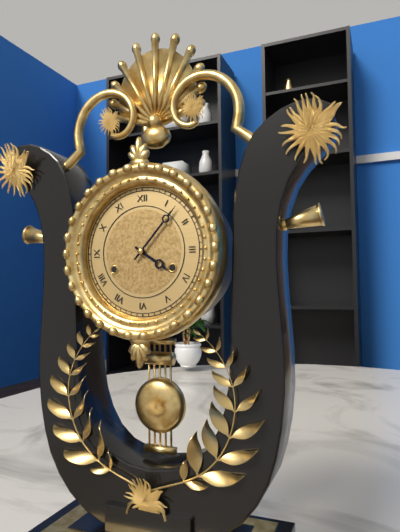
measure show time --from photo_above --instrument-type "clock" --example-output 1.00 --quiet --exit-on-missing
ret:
4.07
